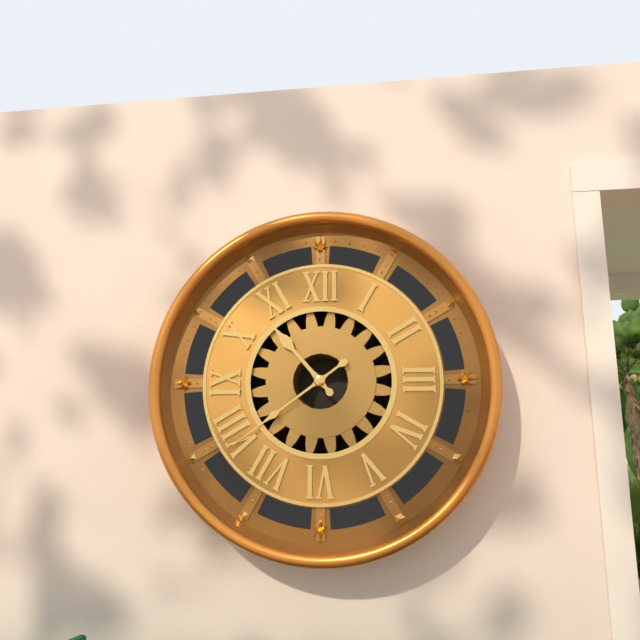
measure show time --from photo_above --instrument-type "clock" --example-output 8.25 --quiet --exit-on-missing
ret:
10.39
